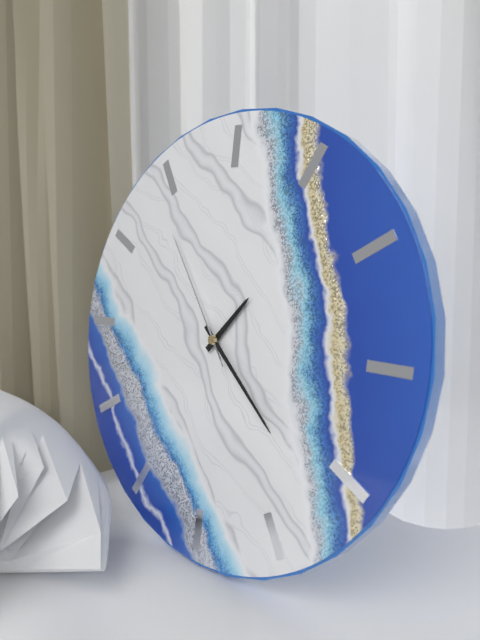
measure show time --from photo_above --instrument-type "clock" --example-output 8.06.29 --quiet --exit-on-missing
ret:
1.22.54
